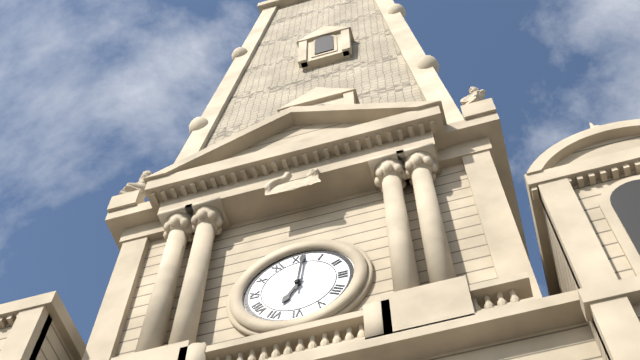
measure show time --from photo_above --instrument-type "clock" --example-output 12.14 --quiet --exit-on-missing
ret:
7.01
